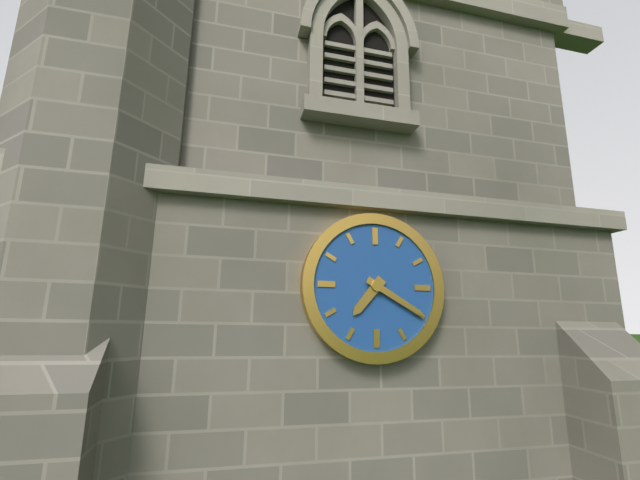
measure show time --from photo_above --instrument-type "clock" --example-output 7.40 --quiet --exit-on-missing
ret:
7.20
